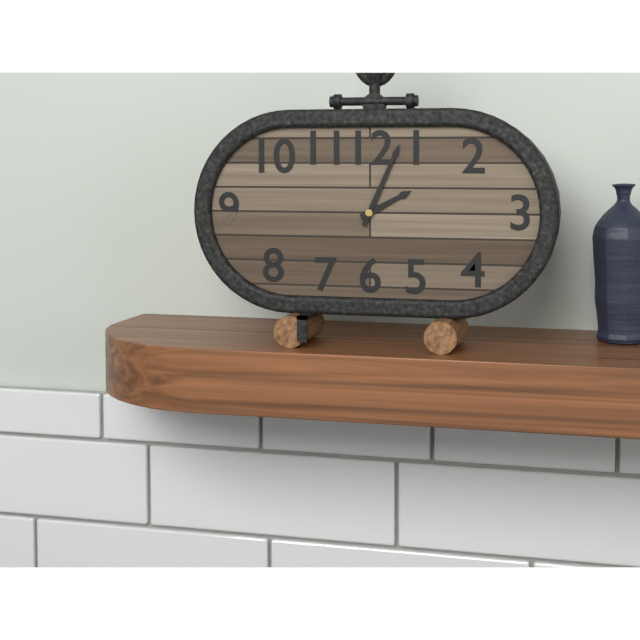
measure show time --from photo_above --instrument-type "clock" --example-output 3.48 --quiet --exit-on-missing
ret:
2.04
